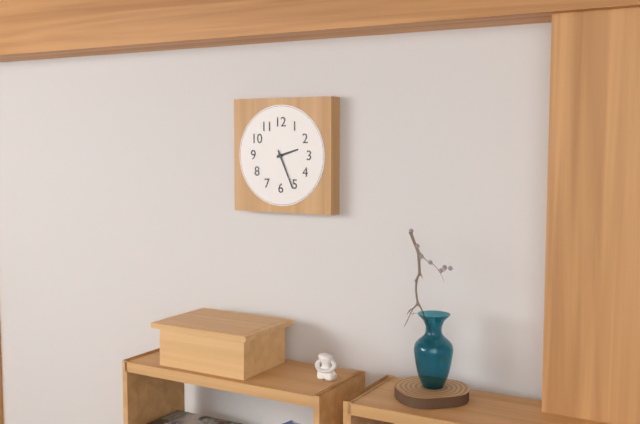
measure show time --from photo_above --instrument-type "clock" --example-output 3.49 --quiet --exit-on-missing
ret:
2.26
